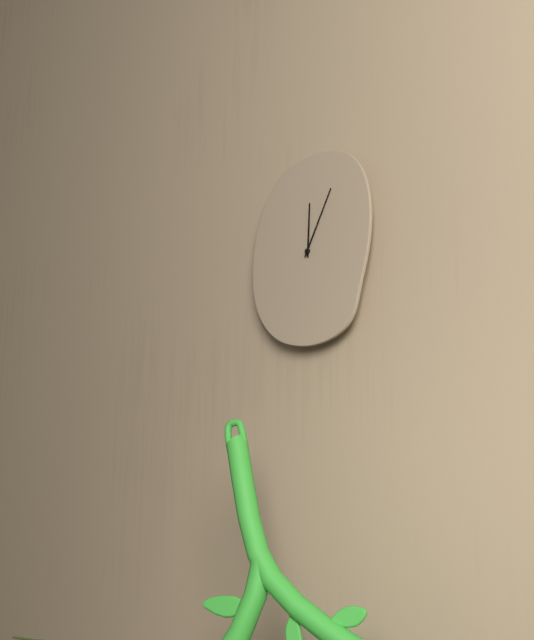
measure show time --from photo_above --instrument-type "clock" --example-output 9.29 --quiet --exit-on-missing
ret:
12.05
